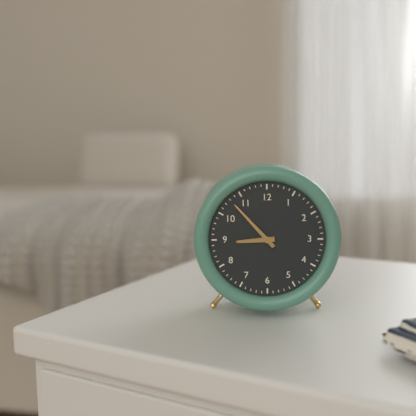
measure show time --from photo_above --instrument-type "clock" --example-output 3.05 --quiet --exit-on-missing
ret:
8.53
